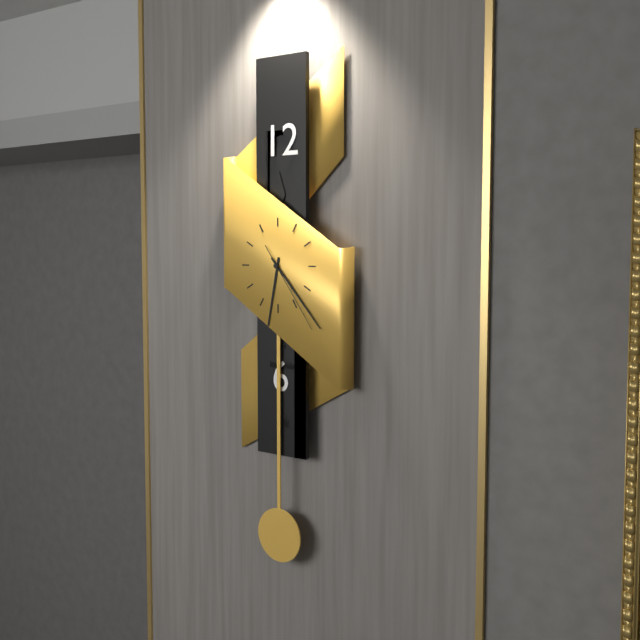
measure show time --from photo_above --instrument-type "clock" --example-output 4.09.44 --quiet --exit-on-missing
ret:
6.23.24
